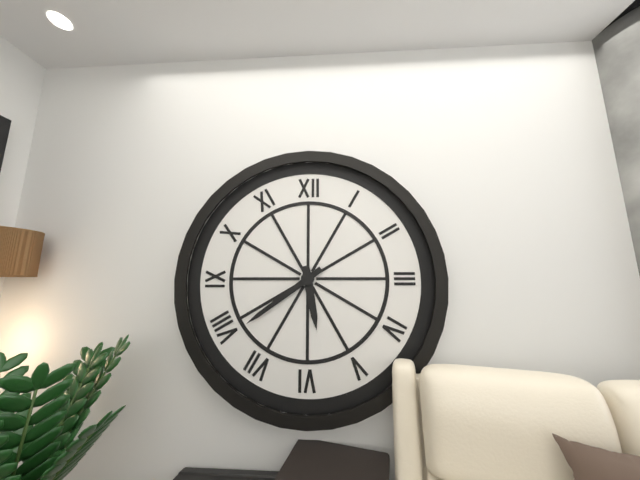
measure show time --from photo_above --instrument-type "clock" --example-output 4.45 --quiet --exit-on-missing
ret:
5.39
